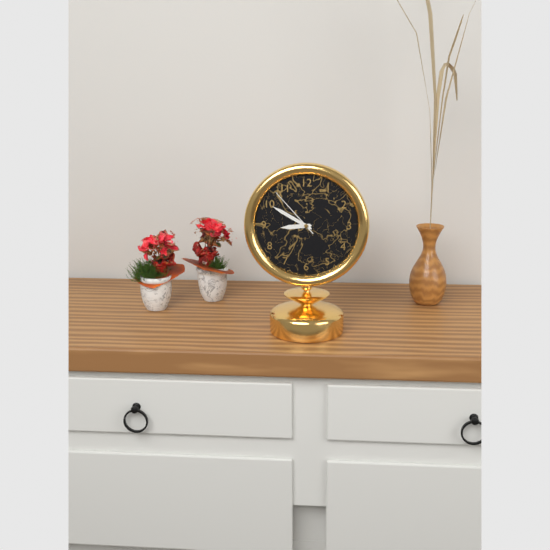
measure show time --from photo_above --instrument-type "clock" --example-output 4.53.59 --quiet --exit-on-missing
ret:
8.50.53
